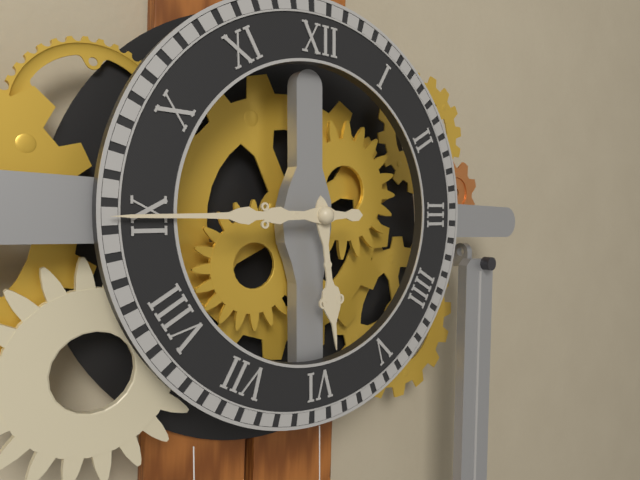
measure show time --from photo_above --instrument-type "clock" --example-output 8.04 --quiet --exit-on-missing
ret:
5.45
